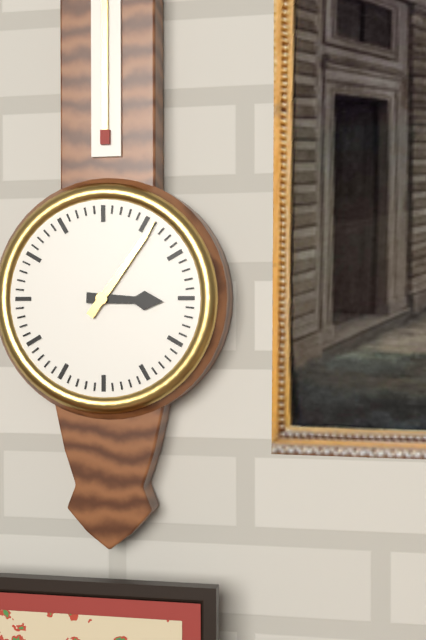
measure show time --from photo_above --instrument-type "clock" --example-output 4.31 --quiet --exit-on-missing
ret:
3.06
